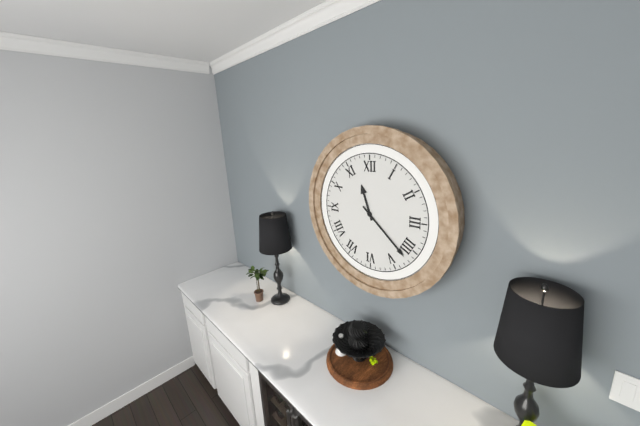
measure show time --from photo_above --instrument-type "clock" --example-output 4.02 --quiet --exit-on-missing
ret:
11.22
